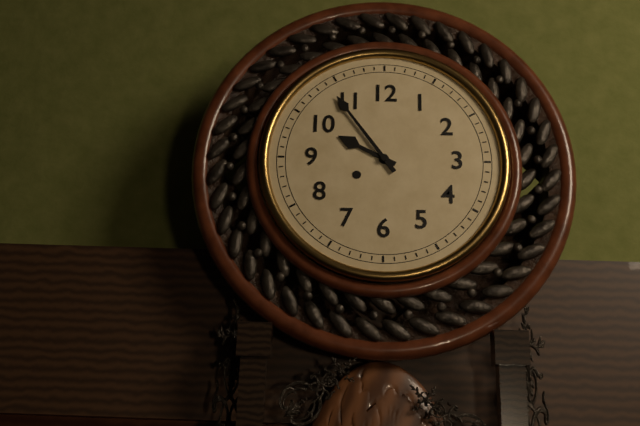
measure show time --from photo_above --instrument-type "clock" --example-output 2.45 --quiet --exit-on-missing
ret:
9.54
